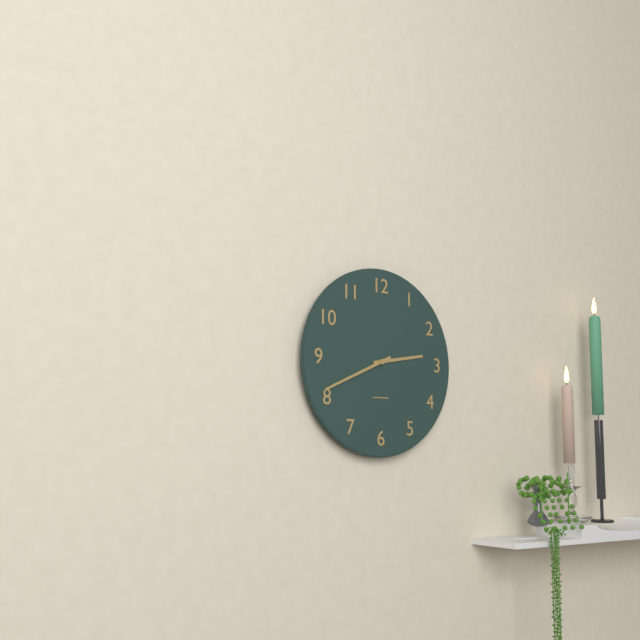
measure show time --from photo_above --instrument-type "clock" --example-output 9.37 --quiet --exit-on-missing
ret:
2.41
